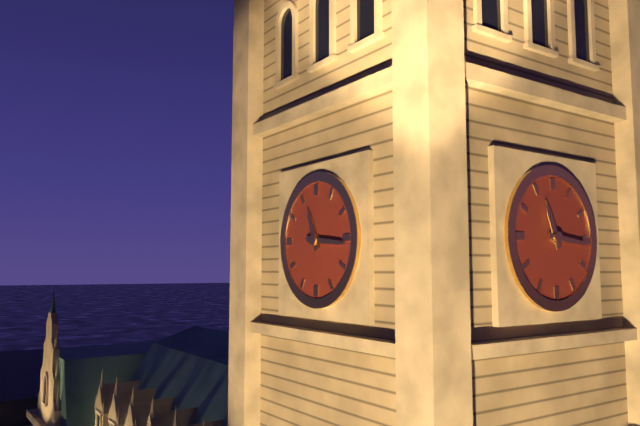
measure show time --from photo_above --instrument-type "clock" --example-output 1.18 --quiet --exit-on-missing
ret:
11.16
